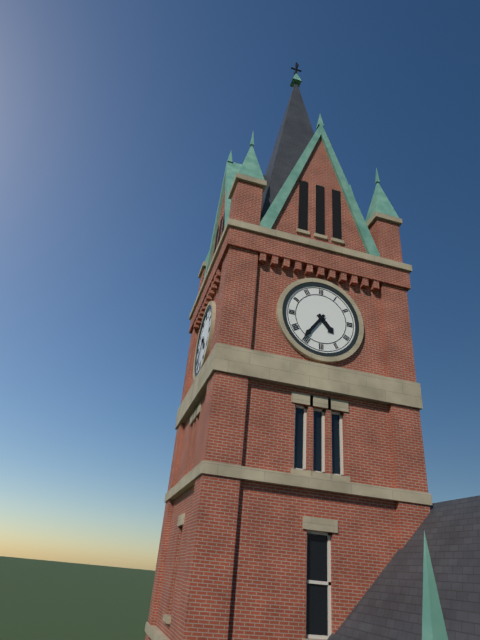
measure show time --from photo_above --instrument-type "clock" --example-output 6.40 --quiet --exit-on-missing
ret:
4.36
